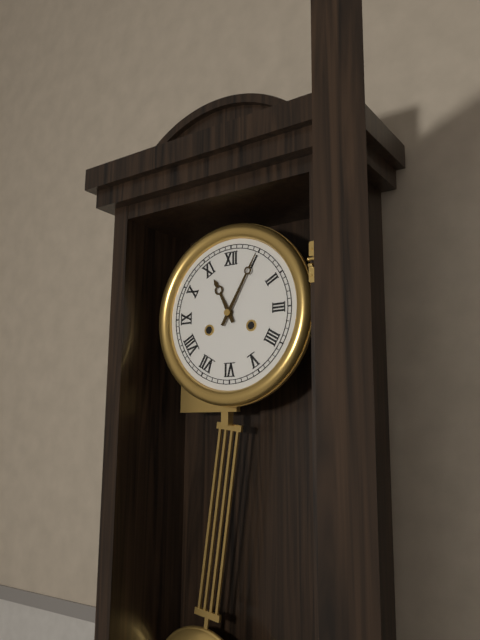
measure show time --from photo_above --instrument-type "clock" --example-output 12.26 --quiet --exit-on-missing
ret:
11.05
